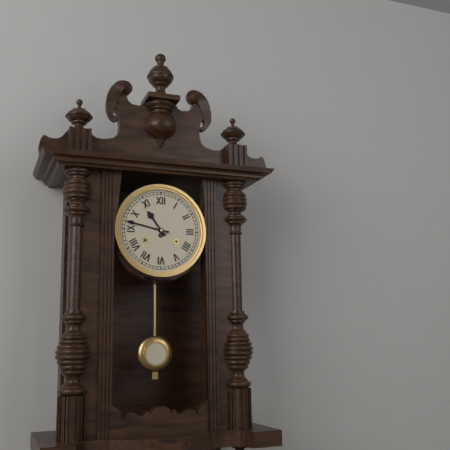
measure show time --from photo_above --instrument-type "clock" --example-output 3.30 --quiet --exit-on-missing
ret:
10.47
